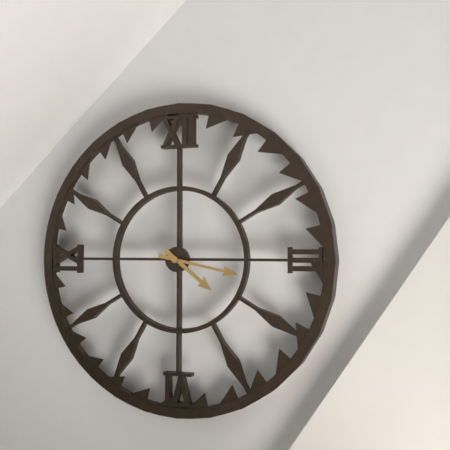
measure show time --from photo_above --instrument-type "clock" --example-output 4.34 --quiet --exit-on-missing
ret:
4.17
